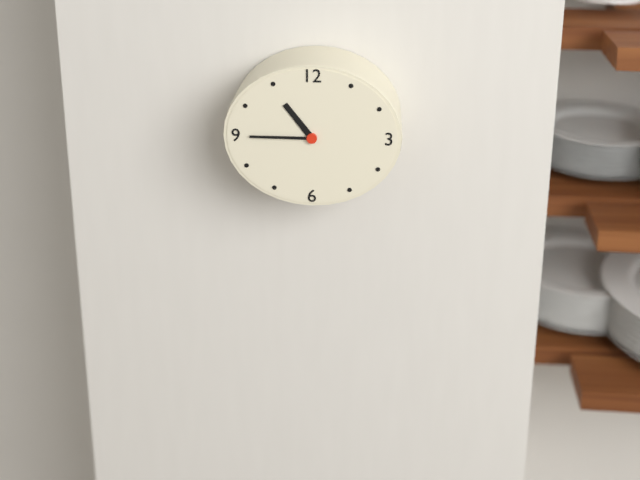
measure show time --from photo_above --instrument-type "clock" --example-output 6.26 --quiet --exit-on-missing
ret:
10.45
